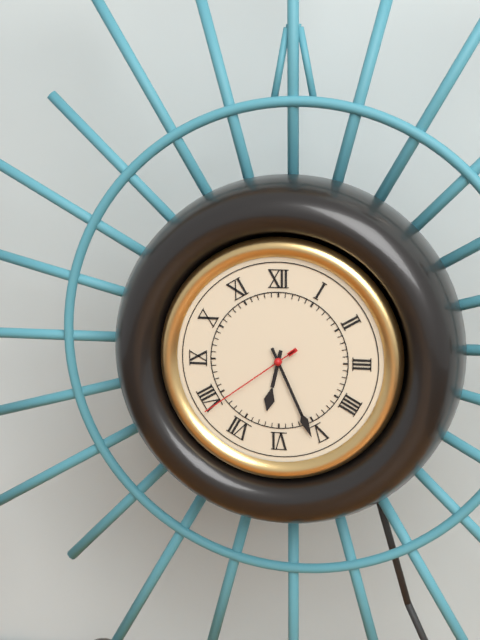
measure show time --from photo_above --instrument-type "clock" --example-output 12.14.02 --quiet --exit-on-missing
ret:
6.26.39
